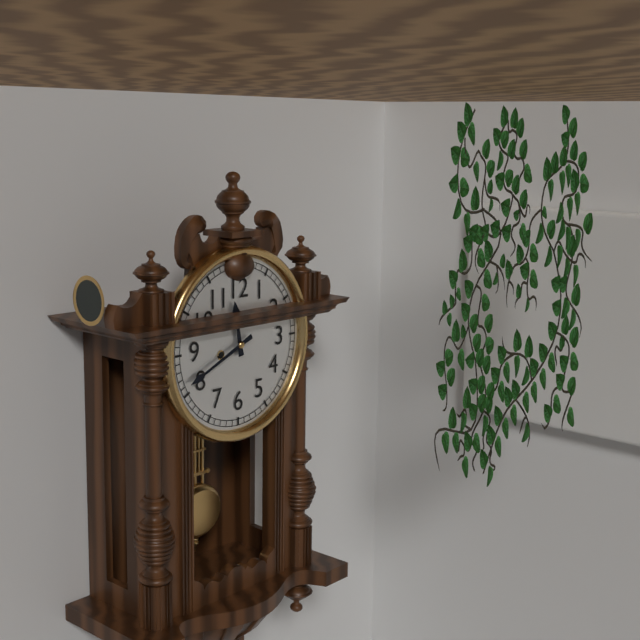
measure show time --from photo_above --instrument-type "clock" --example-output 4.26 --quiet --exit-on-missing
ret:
11.41
